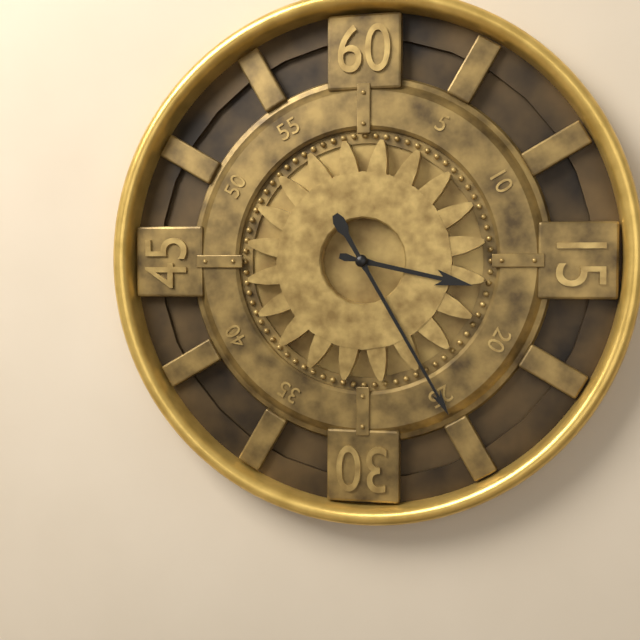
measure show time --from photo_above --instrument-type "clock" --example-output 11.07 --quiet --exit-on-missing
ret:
3.25
